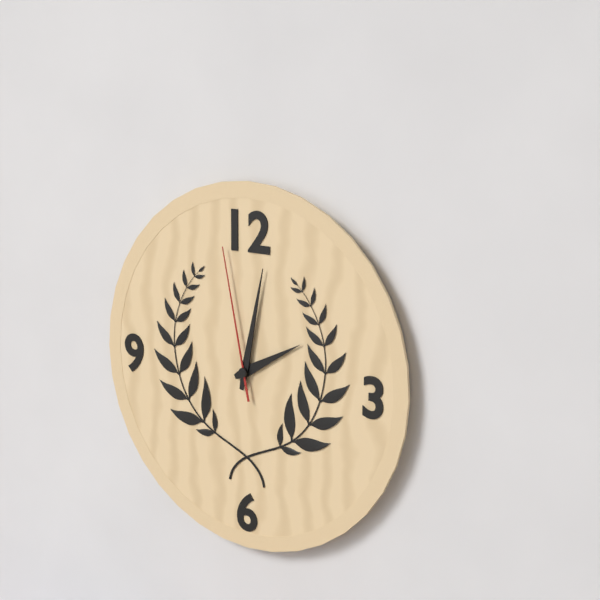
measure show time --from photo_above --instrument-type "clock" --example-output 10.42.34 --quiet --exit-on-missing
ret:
2.02.58
